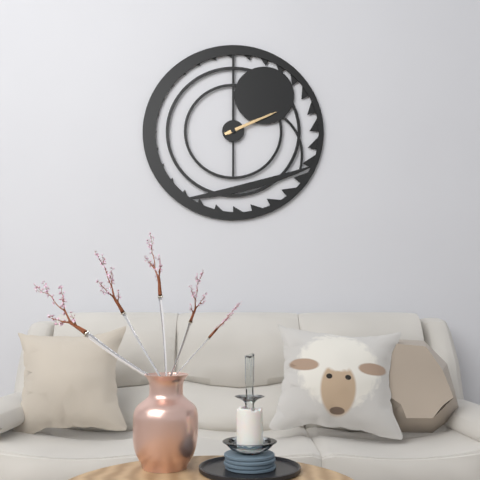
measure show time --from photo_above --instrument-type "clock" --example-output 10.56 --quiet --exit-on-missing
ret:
2.11
